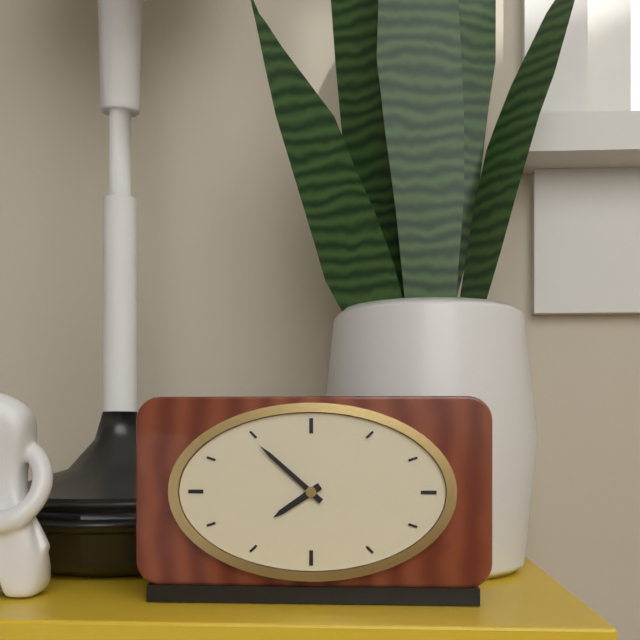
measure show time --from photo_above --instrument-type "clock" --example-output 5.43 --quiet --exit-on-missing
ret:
7.52
